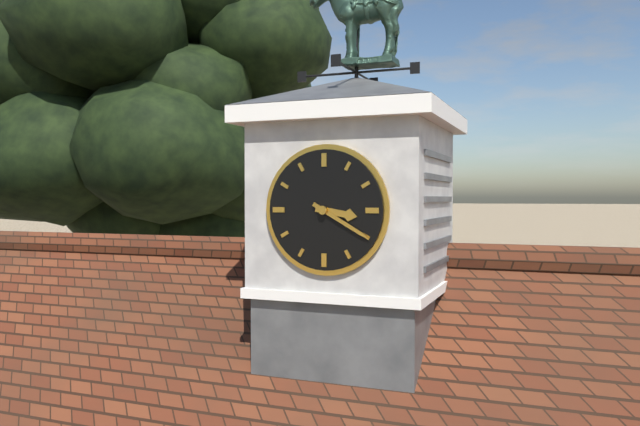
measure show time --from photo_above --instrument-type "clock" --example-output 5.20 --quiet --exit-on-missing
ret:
3.20
